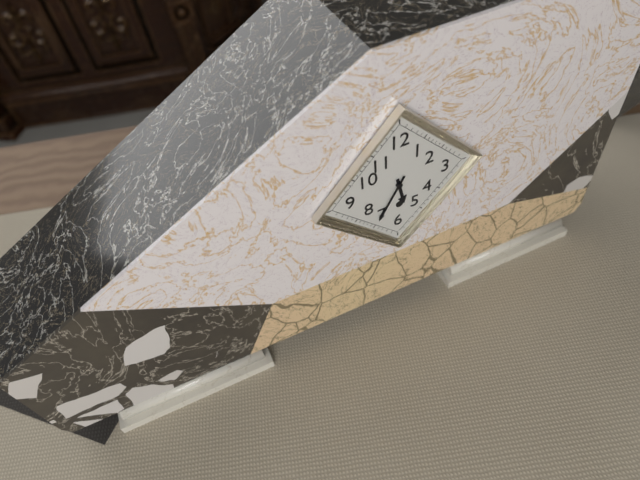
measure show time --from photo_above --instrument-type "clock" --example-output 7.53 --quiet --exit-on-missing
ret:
5.35
